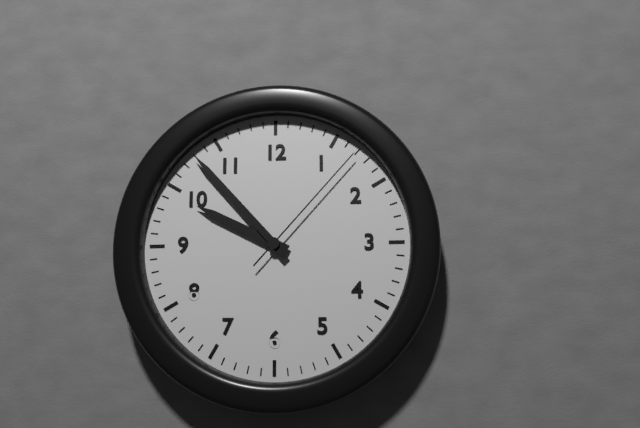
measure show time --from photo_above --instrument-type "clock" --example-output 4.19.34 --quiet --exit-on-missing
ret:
9.53.07
